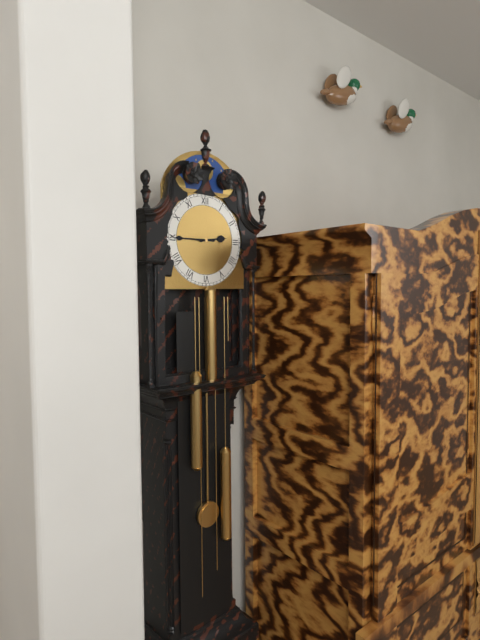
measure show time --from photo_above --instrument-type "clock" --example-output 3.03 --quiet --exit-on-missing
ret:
2.45
